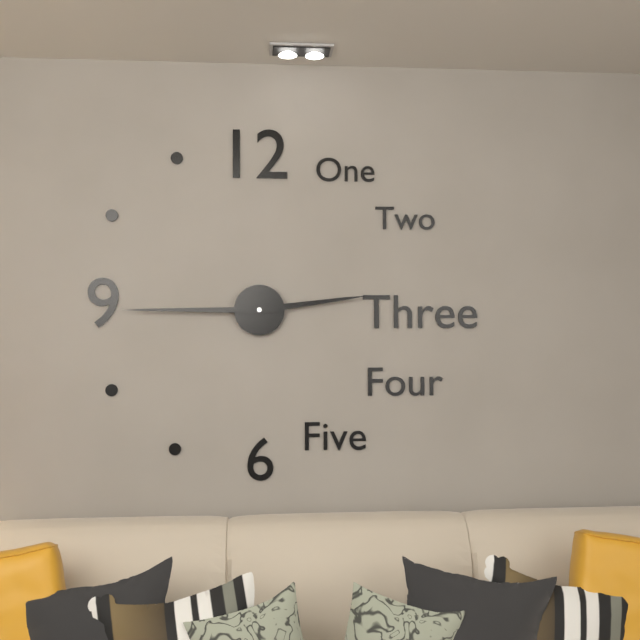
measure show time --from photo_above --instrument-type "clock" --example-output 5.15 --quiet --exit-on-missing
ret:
2.45
